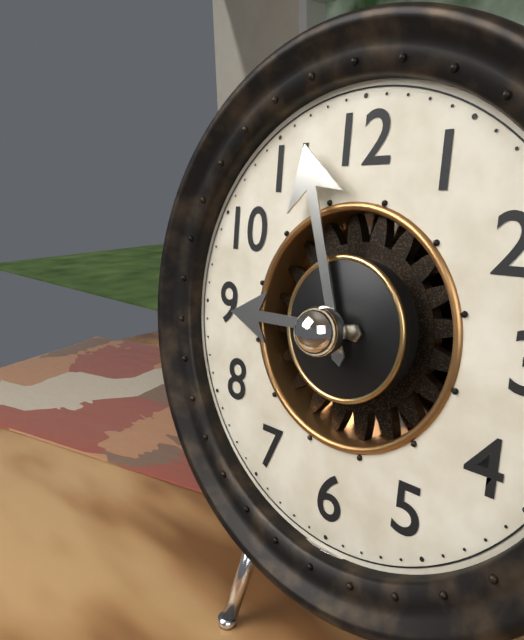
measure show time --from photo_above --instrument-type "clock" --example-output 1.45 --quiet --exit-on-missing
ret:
8.57
